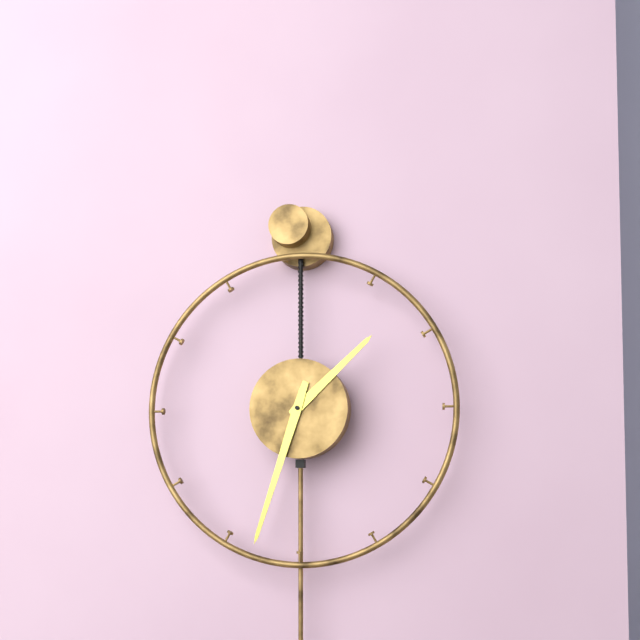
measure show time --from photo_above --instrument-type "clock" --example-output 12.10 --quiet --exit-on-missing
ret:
1.33
